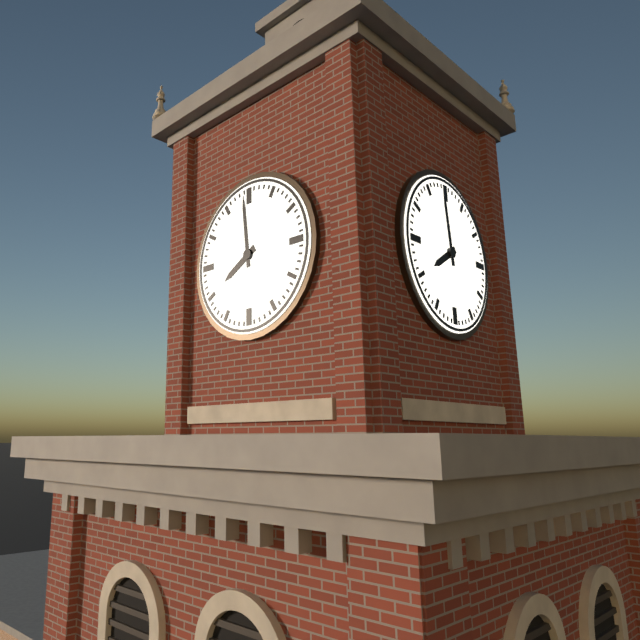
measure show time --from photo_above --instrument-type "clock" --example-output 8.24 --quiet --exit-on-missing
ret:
7.59
